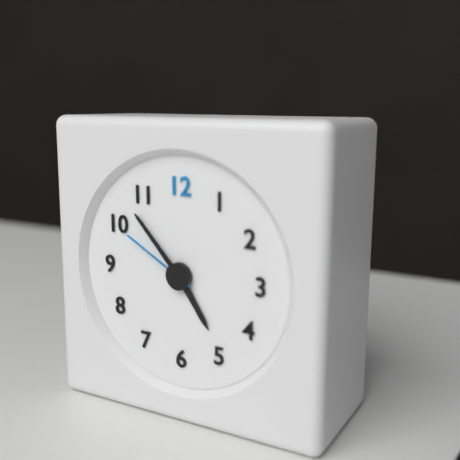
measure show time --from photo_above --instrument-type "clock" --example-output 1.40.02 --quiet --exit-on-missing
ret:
4.53.50
